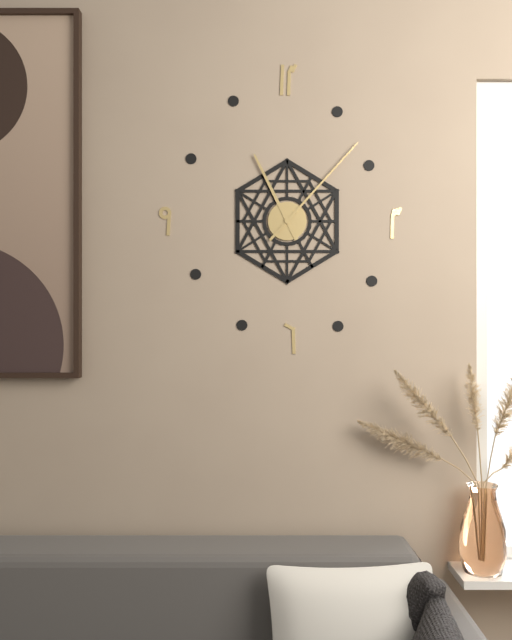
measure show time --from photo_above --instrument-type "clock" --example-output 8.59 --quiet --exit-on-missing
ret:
11.07
